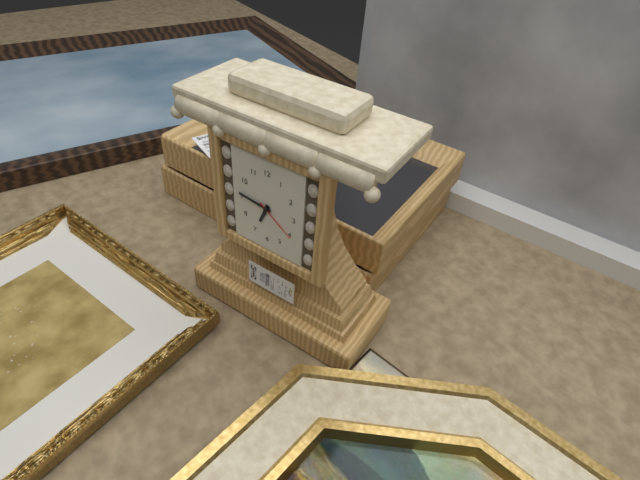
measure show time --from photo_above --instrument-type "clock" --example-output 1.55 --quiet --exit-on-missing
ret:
6.46
